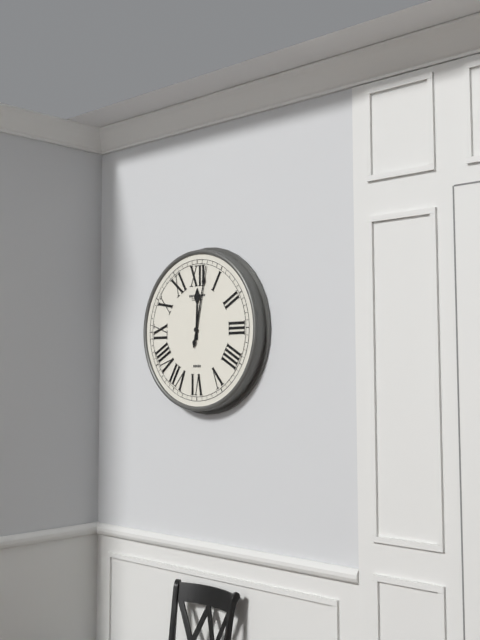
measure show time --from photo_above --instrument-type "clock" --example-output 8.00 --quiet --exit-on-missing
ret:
12.02
